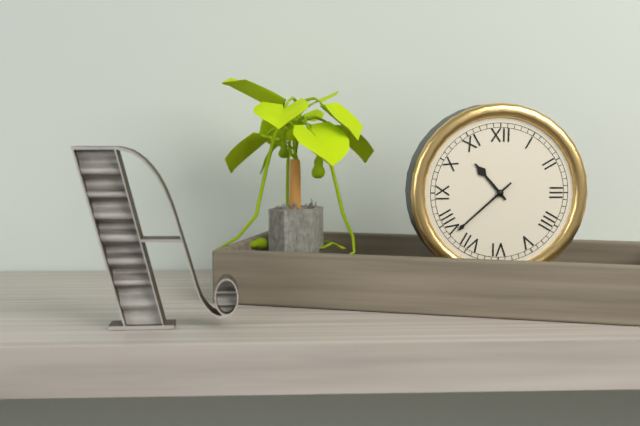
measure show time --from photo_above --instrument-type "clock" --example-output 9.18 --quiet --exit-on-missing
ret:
10.38
